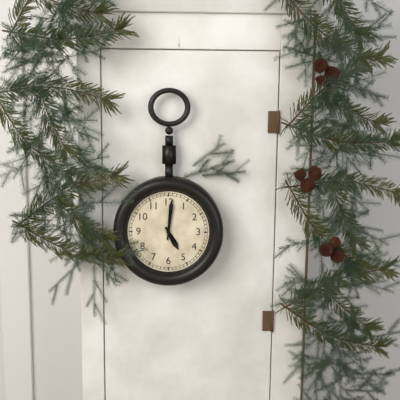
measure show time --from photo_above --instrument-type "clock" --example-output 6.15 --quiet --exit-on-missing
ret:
5.01
